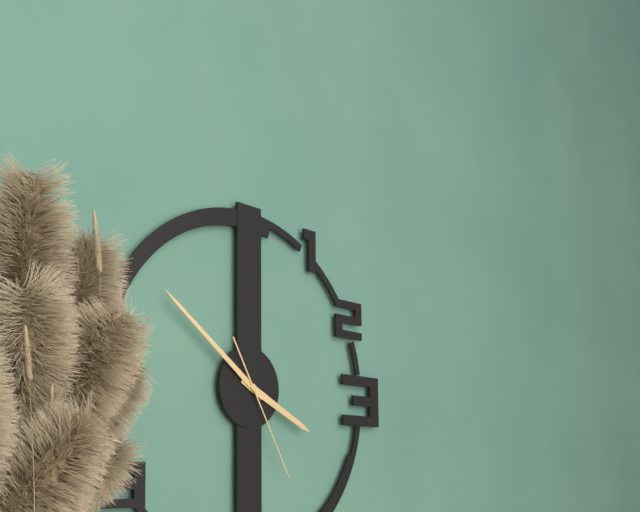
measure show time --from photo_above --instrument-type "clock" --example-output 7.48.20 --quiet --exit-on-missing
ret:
3.51.25
